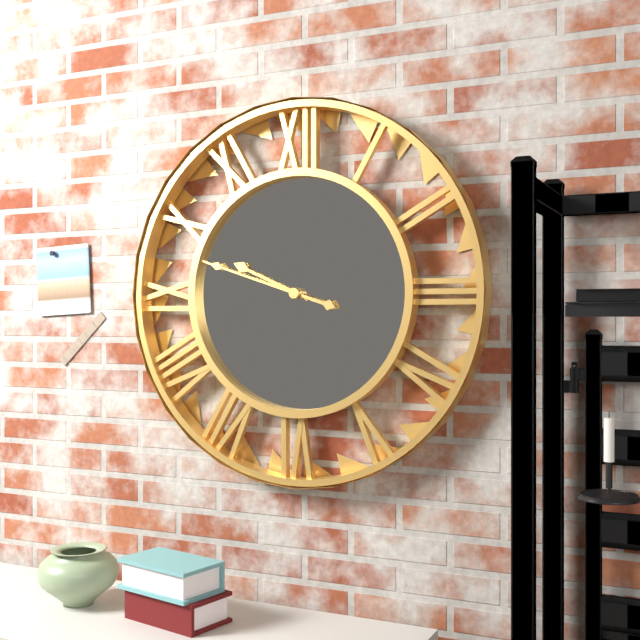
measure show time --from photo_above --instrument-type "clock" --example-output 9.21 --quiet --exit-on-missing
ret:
9.48
